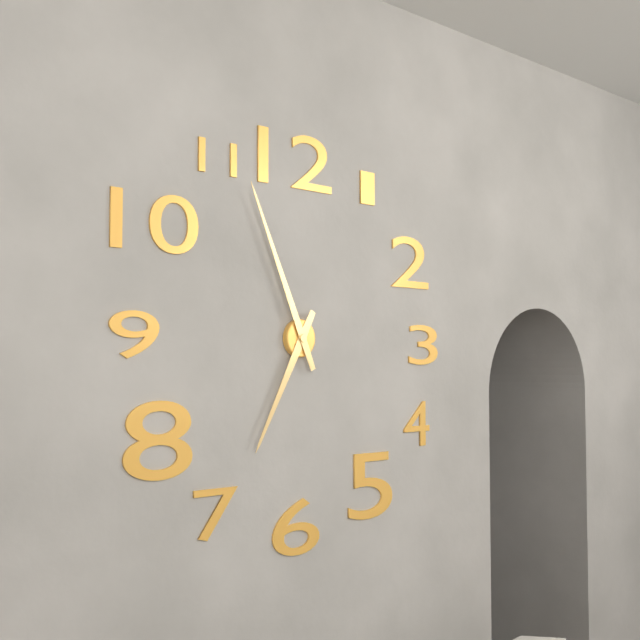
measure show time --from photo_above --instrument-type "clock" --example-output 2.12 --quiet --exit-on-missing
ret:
6.56
